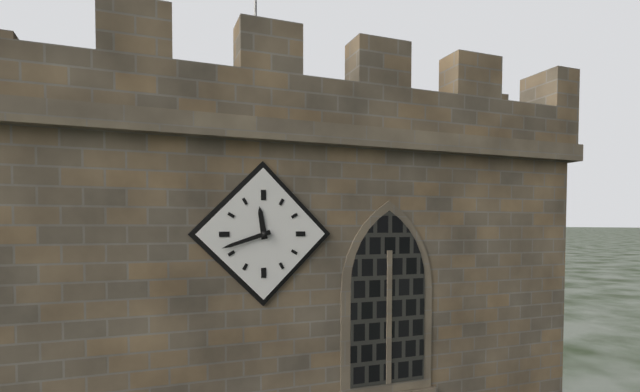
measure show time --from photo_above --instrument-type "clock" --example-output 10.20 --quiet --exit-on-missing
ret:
11.42
